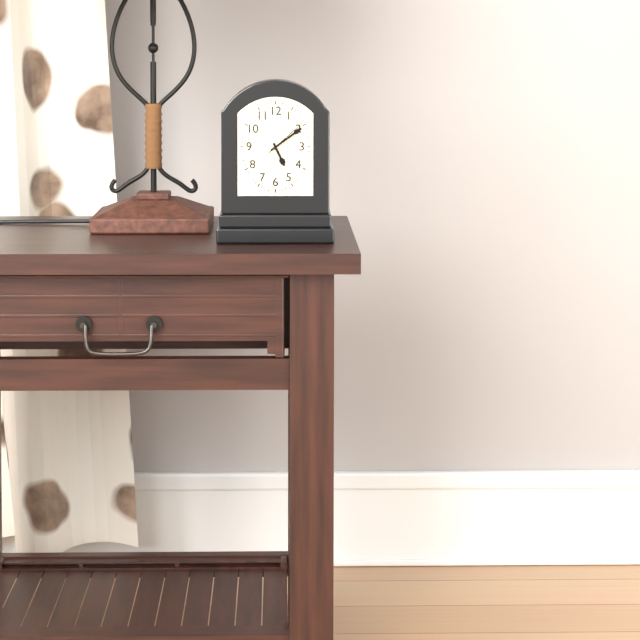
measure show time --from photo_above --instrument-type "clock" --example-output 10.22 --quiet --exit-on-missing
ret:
5.09
